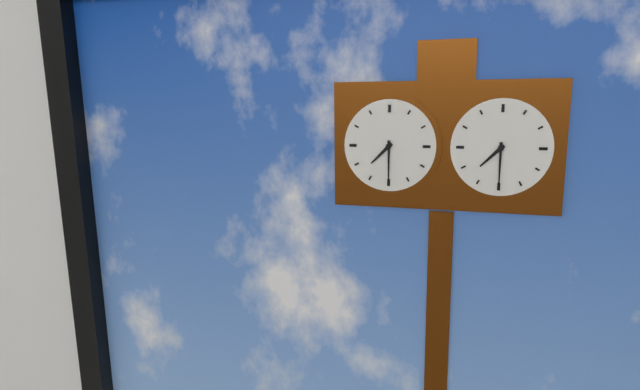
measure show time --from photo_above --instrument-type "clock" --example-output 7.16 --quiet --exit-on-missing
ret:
7.30
